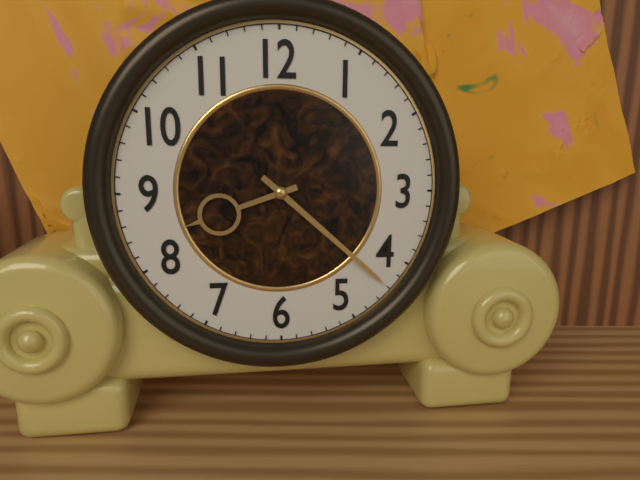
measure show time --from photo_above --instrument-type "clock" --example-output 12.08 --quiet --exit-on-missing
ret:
8.22
